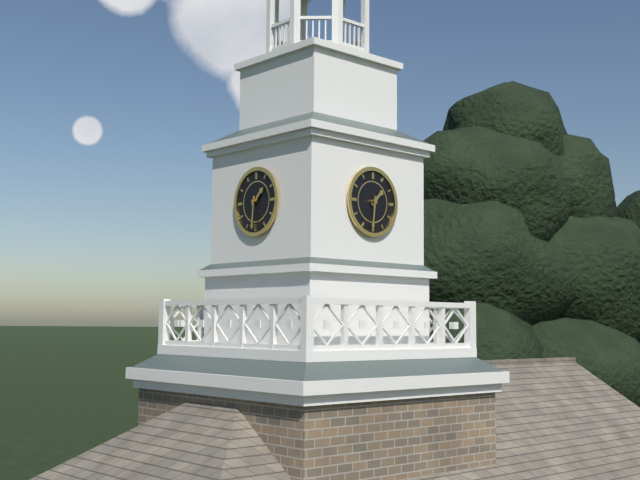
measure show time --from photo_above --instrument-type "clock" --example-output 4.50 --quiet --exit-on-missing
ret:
1.31
